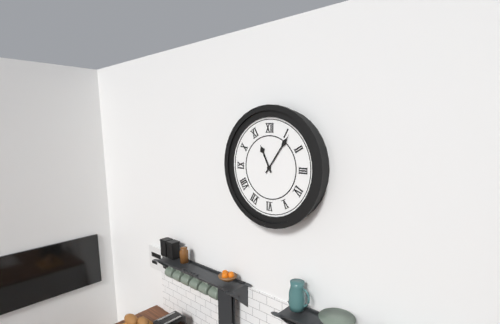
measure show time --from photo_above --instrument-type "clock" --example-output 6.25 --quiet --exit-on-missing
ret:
11.06
